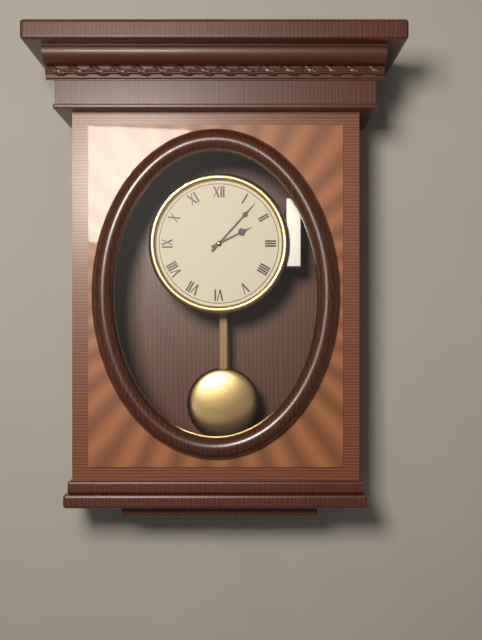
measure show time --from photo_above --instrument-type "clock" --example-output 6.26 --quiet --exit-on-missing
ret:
2.07
